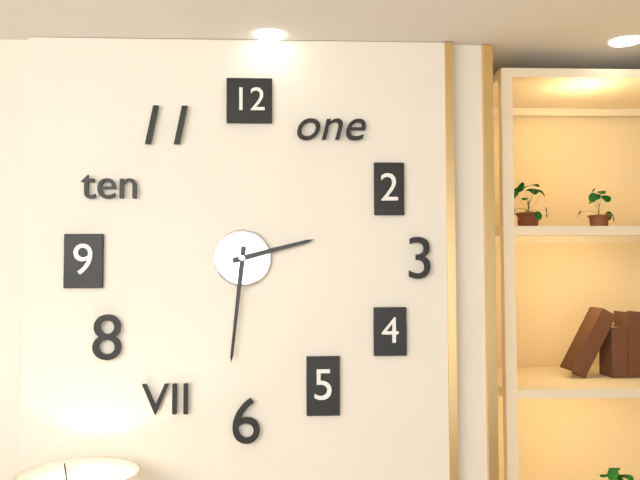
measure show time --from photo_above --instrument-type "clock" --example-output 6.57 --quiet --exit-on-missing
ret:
2.31
